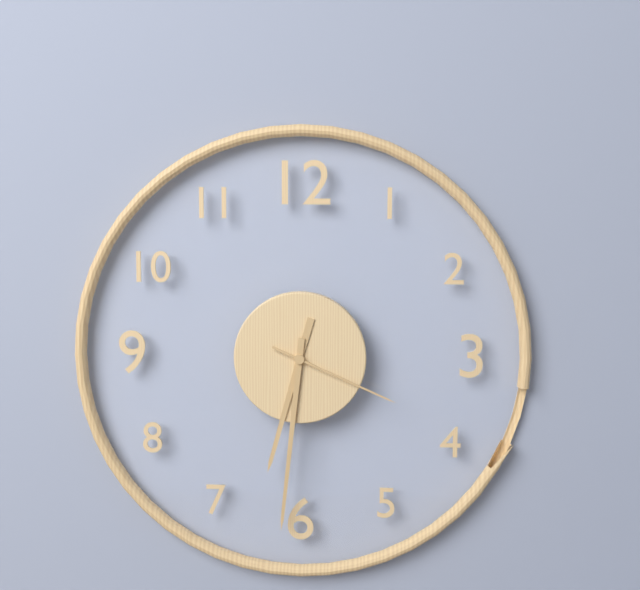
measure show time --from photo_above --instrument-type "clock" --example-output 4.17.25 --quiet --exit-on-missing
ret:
6.31.19
